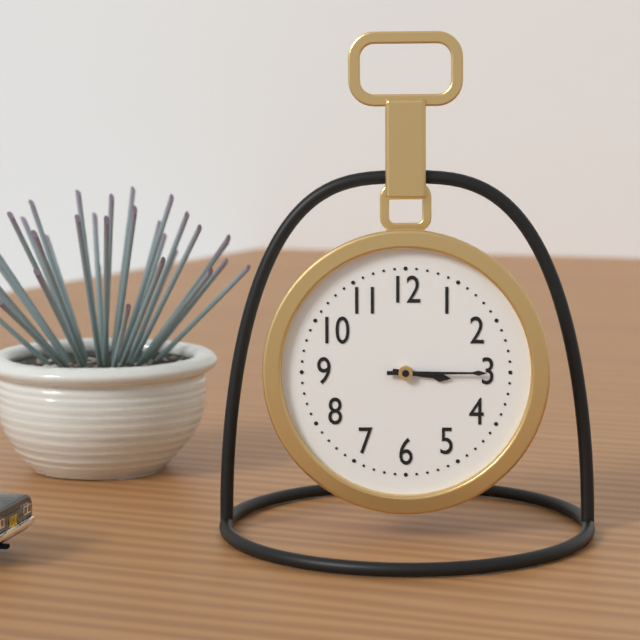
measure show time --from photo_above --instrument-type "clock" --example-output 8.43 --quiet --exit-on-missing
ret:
3.15
